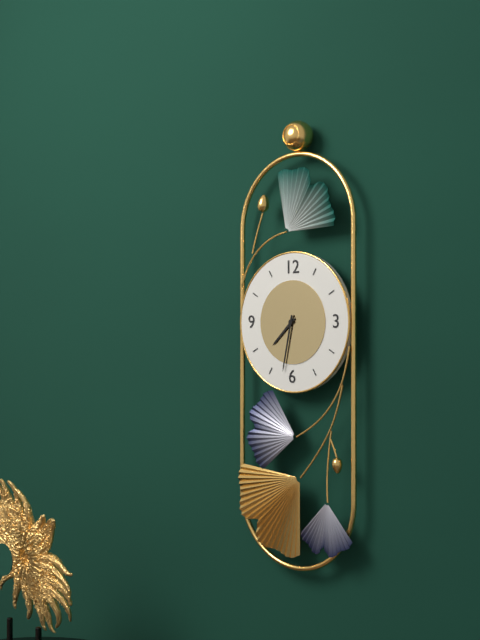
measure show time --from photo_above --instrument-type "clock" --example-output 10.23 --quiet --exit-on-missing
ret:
7.32
